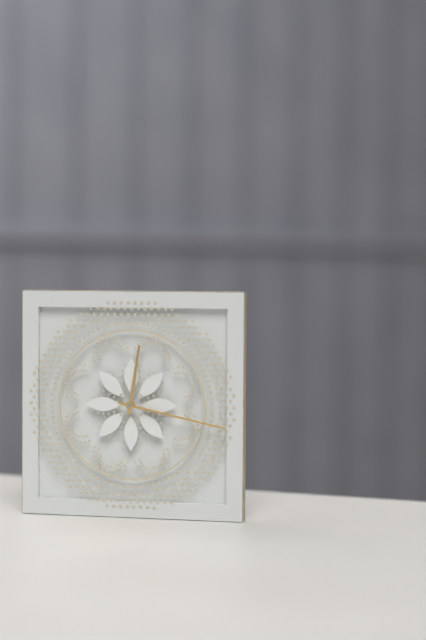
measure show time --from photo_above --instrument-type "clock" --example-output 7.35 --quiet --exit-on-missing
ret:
12.17
